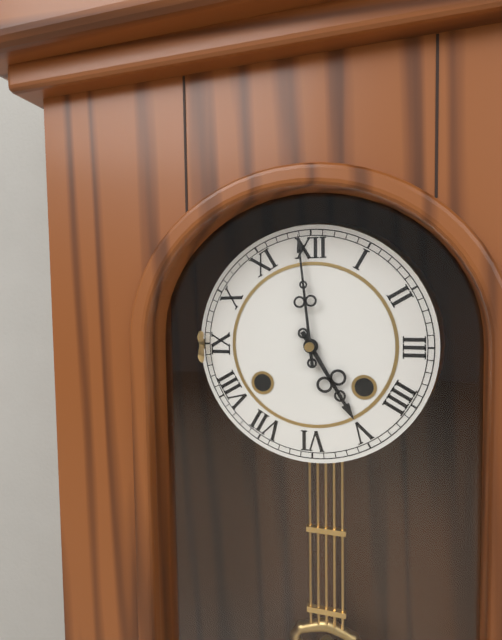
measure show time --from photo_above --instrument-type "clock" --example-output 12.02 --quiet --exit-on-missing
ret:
4.59
